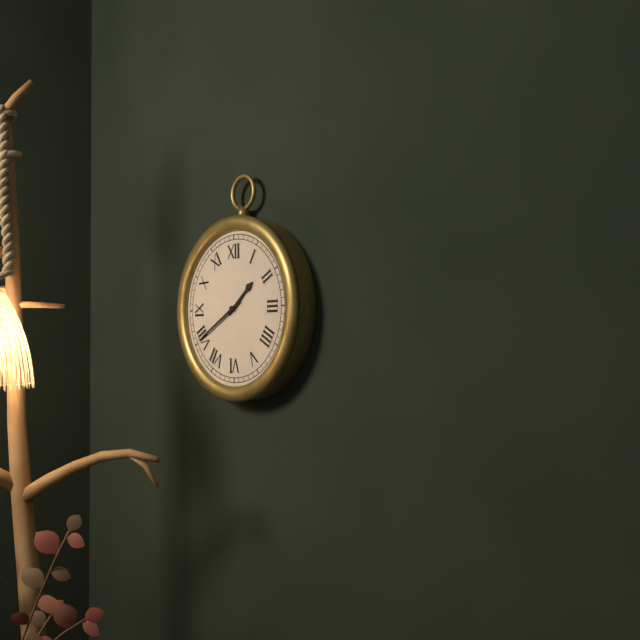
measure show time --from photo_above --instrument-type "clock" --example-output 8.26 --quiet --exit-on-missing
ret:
1.40
